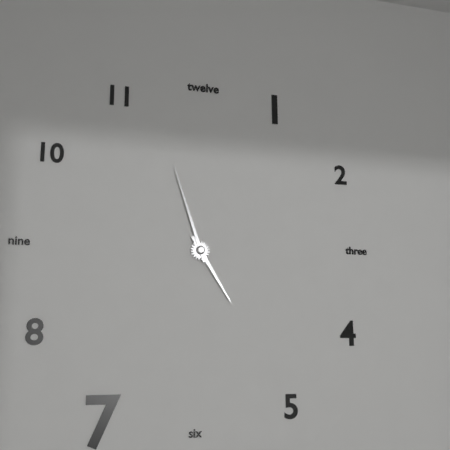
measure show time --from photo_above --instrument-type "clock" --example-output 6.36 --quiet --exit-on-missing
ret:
4.57
